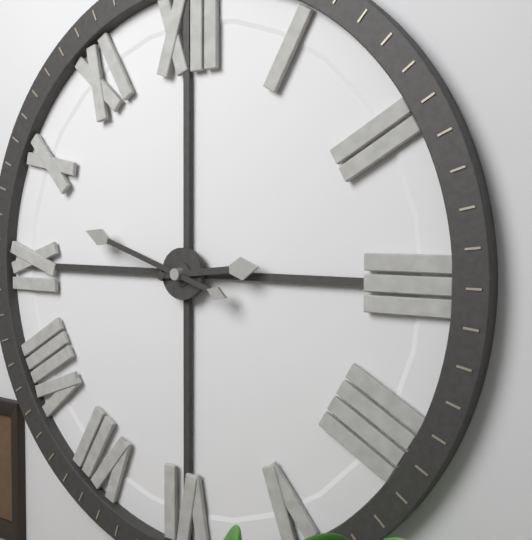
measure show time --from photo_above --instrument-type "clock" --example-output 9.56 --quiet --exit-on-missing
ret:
2.48
